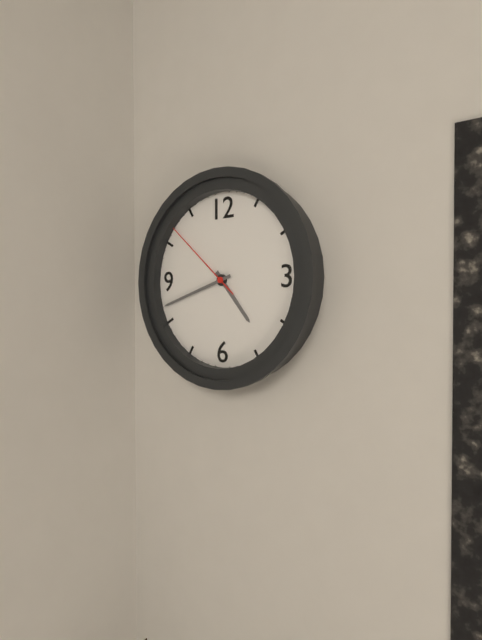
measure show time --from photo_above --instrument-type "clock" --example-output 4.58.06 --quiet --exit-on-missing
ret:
4.42.52
